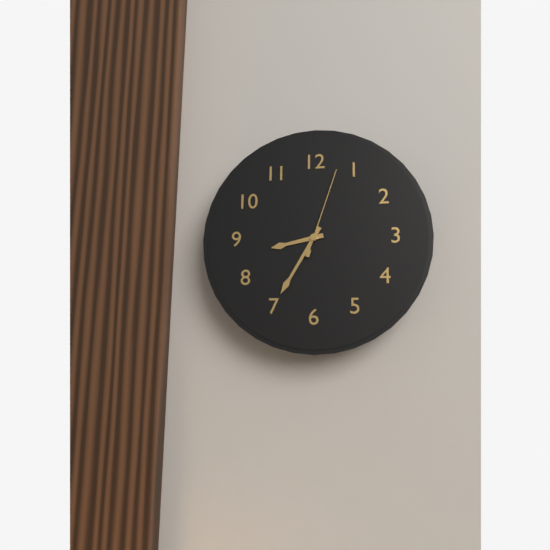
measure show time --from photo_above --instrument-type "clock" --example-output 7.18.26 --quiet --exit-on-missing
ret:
8.35.03
